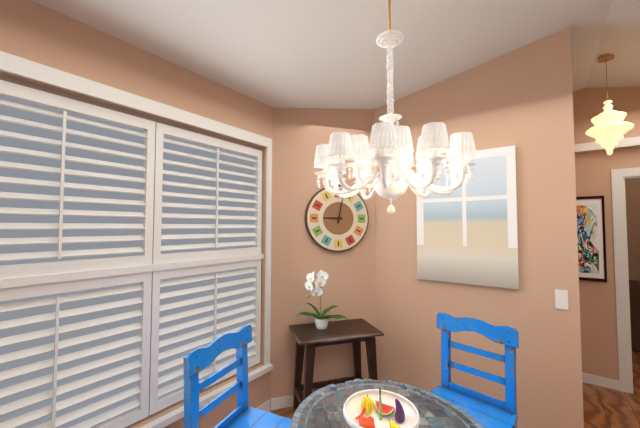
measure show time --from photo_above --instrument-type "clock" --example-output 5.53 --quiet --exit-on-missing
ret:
9.02
